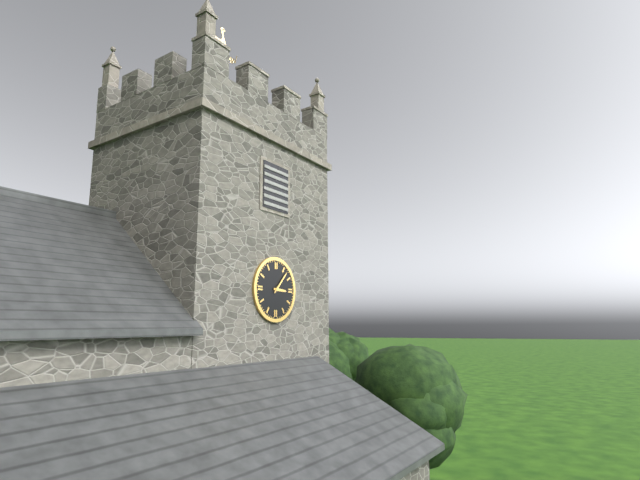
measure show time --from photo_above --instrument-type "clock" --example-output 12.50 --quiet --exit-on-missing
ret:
3.07
